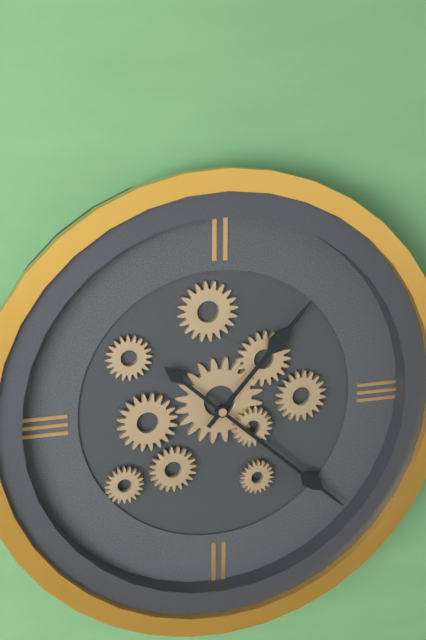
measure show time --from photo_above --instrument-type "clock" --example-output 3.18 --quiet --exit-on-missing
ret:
1.22
